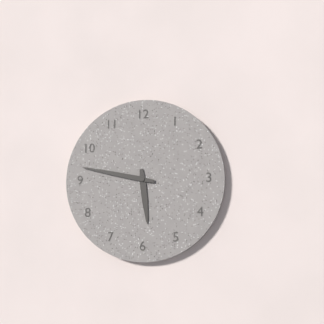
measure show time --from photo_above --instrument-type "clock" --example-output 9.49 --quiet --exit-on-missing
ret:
5.47
